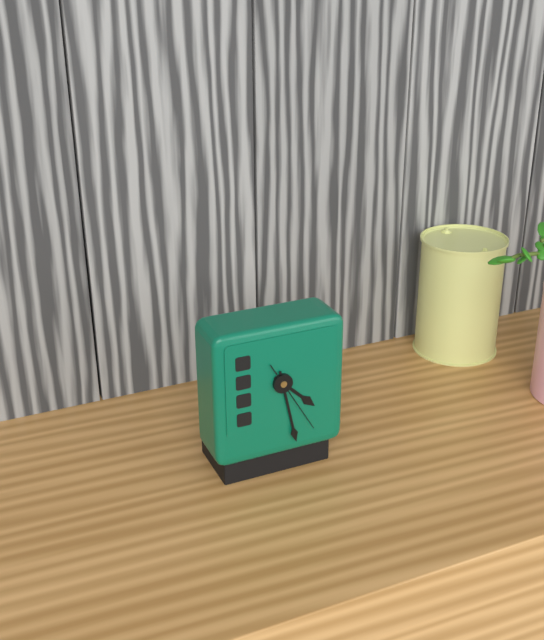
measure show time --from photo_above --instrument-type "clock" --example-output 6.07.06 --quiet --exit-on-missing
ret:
4.28.25
